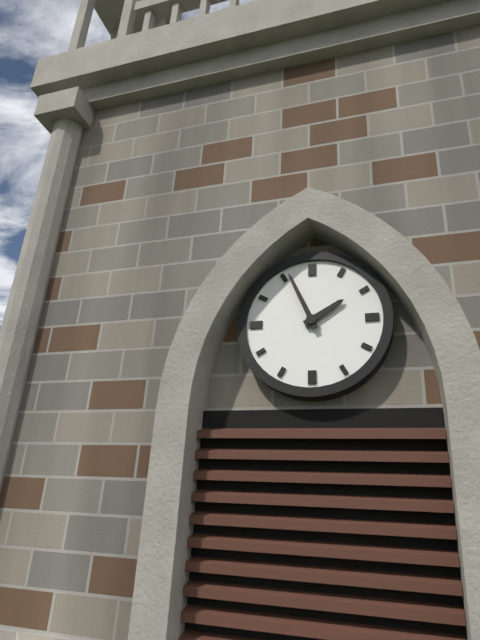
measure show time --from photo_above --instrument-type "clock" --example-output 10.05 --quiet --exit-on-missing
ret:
1.56
